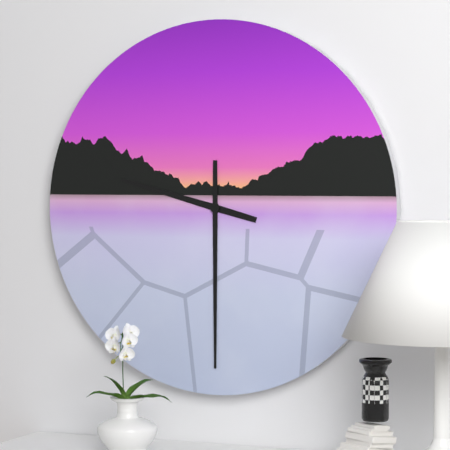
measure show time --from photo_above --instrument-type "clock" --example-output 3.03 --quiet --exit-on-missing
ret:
9.30
